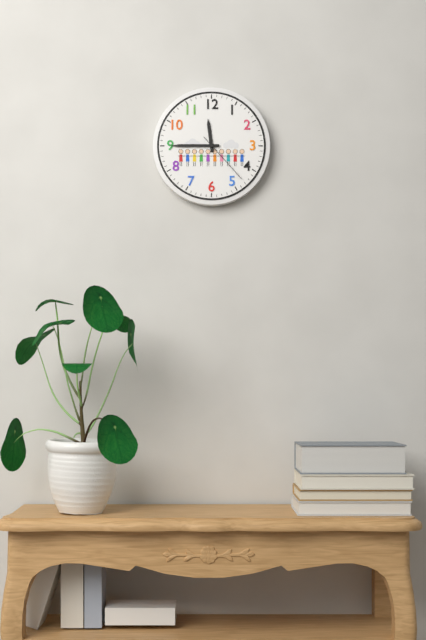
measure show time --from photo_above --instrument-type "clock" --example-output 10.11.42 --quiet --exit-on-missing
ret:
11.45.23
